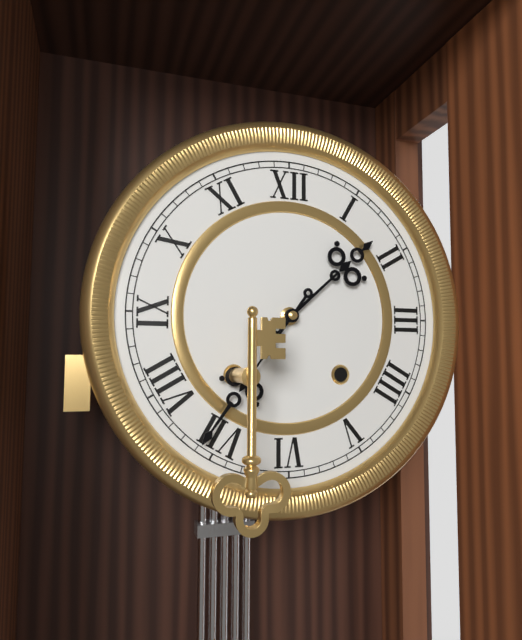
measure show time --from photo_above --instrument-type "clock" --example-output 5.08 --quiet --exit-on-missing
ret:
1.36
